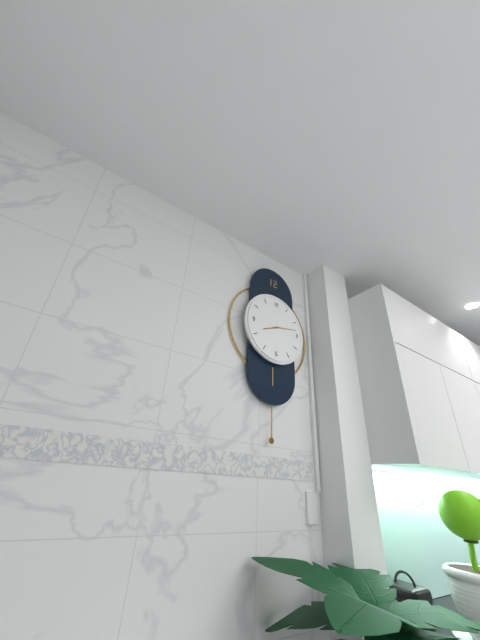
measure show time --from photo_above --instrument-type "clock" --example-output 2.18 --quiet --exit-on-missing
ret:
8.13
